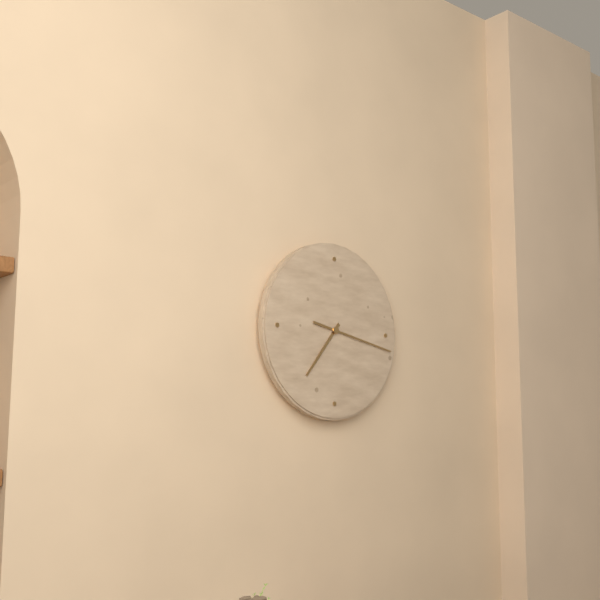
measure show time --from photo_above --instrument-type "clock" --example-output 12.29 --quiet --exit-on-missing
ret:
7.17
